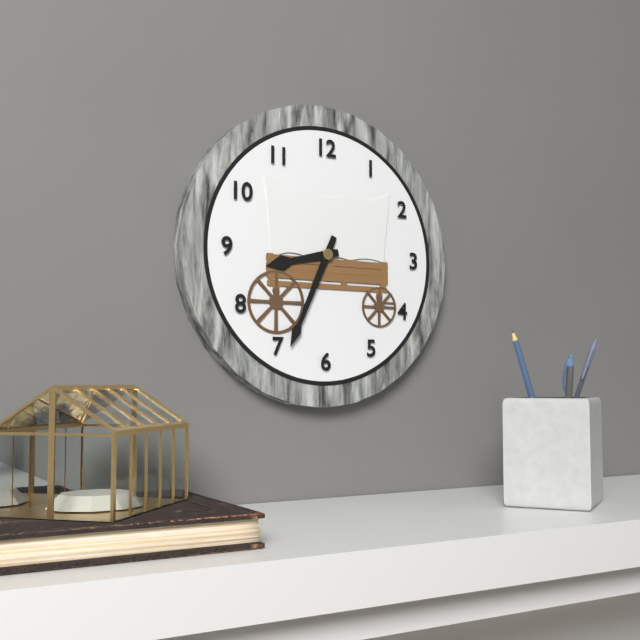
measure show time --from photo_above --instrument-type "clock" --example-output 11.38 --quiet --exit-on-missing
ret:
8.34
